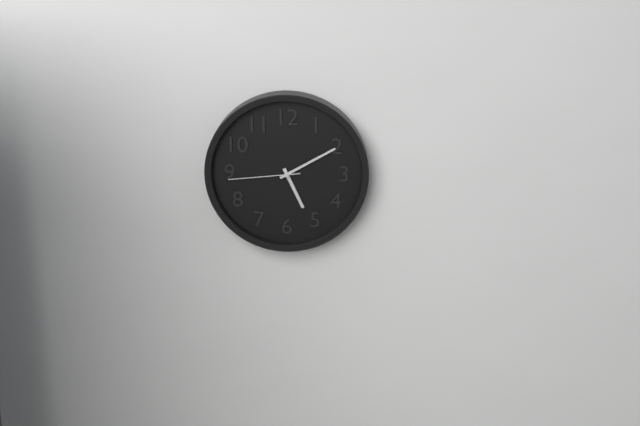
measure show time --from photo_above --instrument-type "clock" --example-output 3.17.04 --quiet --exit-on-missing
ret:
5.10.44
